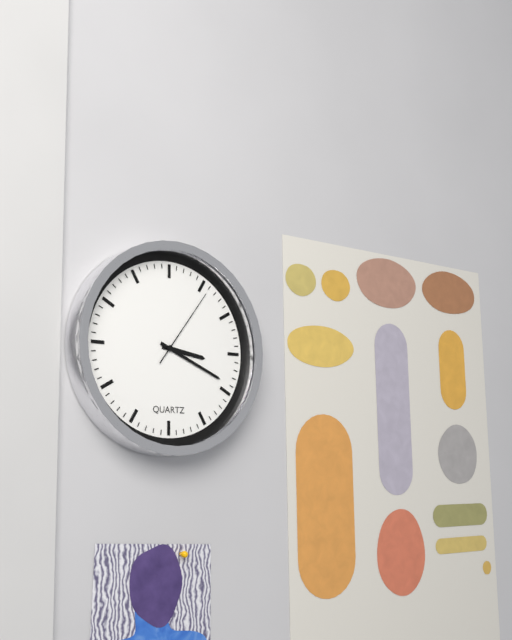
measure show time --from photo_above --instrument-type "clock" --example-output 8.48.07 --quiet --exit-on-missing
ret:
3.19.06
